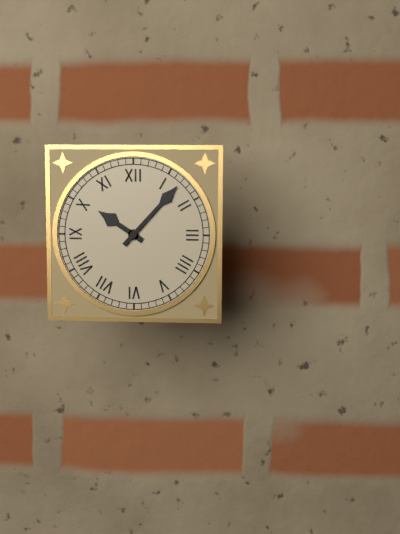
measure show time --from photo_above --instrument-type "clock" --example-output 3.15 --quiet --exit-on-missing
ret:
10.07
